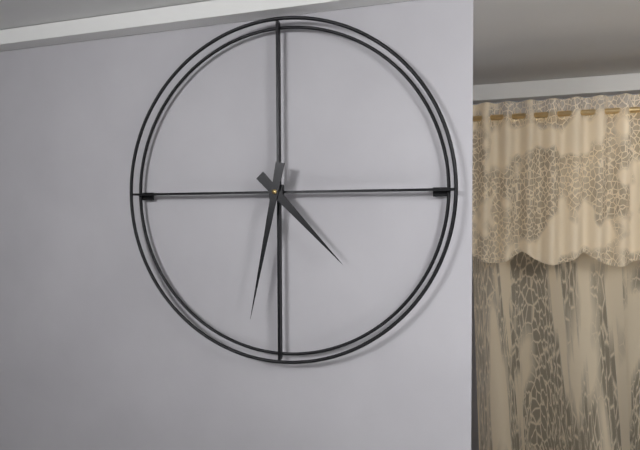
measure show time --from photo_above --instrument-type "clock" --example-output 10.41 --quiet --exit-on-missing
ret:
4.32
